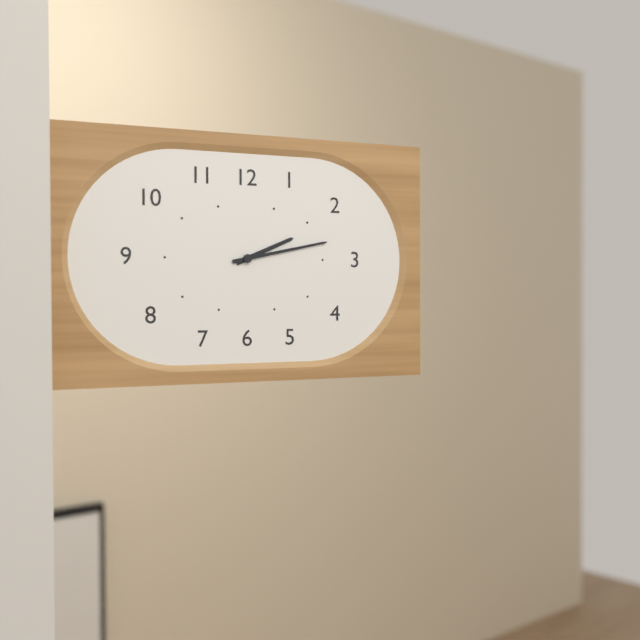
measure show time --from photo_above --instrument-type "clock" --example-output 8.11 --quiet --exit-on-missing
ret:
2.13
